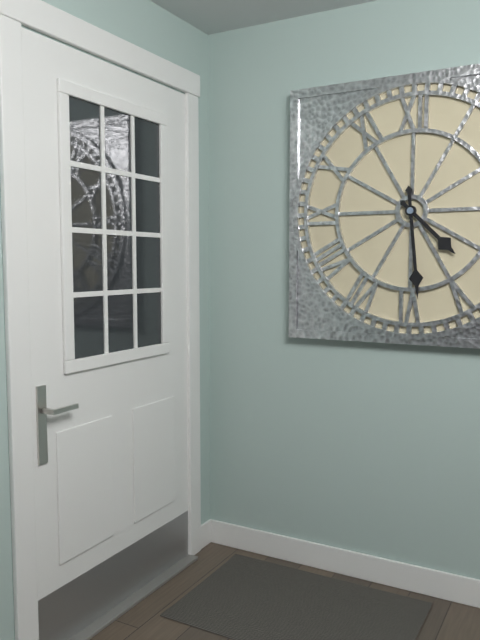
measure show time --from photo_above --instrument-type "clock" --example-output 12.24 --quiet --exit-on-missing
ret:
4.29
